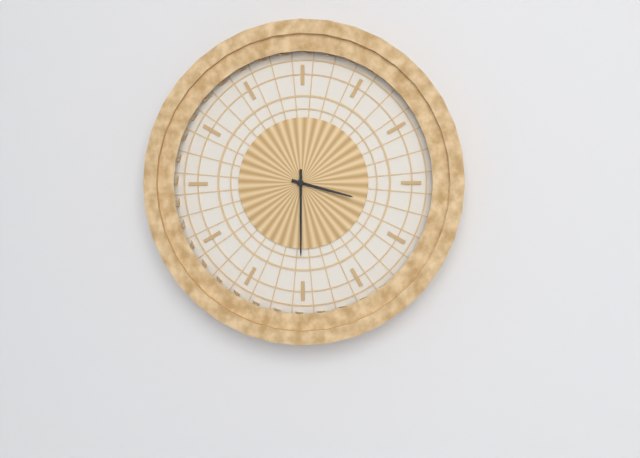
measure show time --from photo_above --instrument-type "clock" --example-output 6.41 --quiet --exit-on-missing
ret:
3.30
